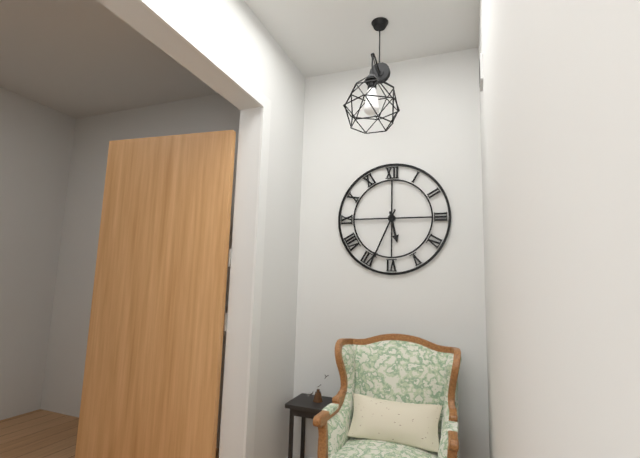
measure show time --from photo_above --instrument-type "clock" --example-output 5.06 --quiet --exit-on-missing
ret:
5.34
